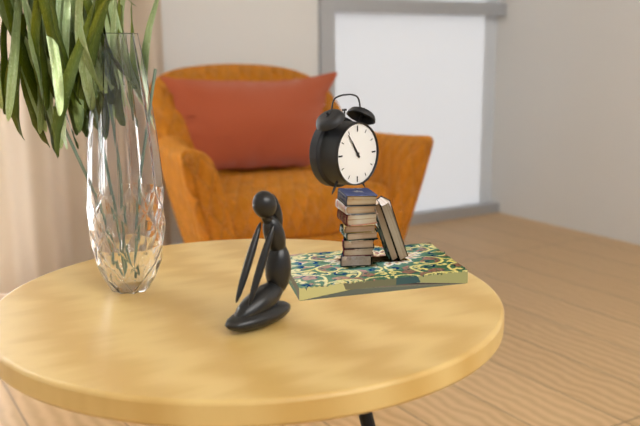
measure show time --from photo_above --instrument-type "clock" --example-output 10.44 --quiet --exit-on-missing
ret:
10.54
